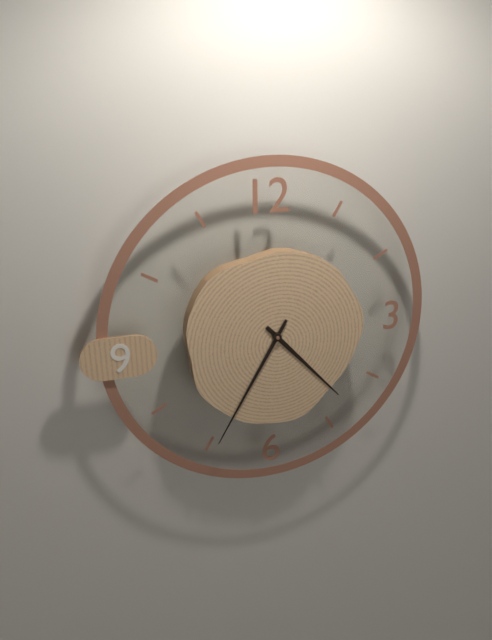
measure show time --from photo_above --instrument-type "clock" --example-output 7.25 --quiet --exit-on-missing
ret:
4.35
